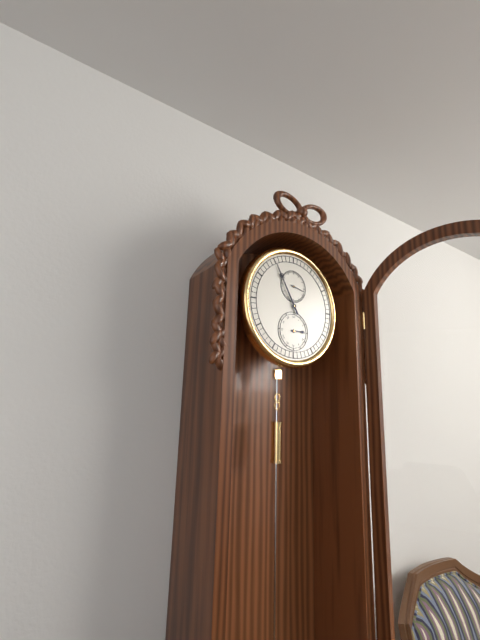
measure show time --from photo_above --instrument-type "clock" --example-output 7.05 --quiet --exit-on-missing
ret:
2.55
